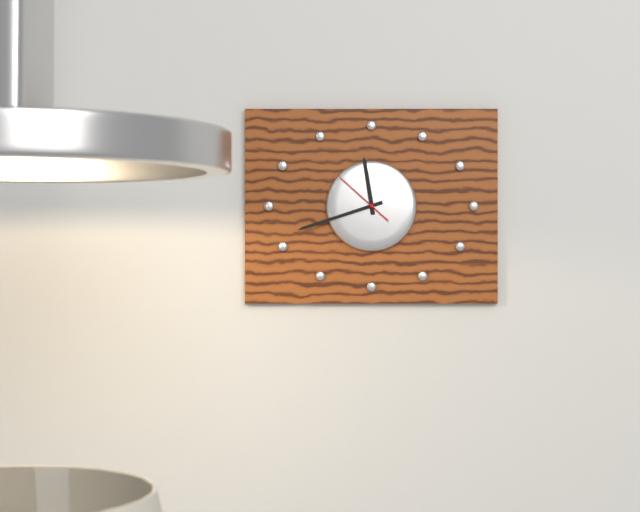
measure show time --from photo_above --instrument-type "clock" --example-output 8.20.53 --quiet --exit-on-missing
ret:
11.42.52
